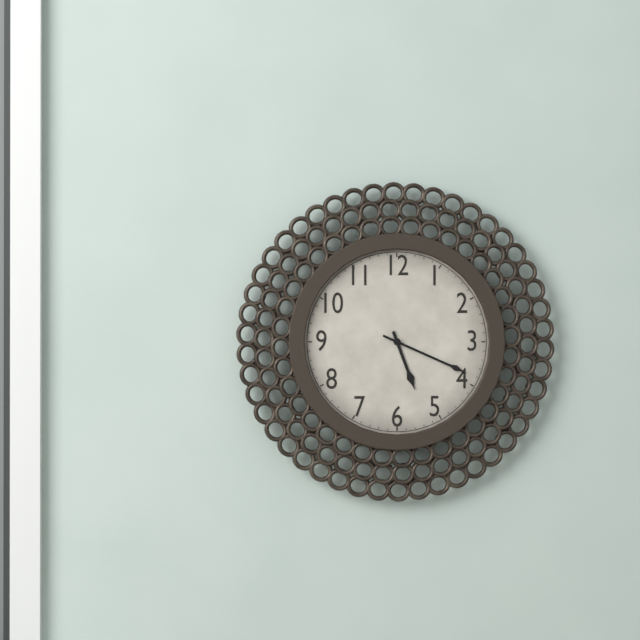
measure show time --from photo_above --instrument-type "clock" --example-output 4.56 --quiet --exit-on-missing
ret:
5.19
